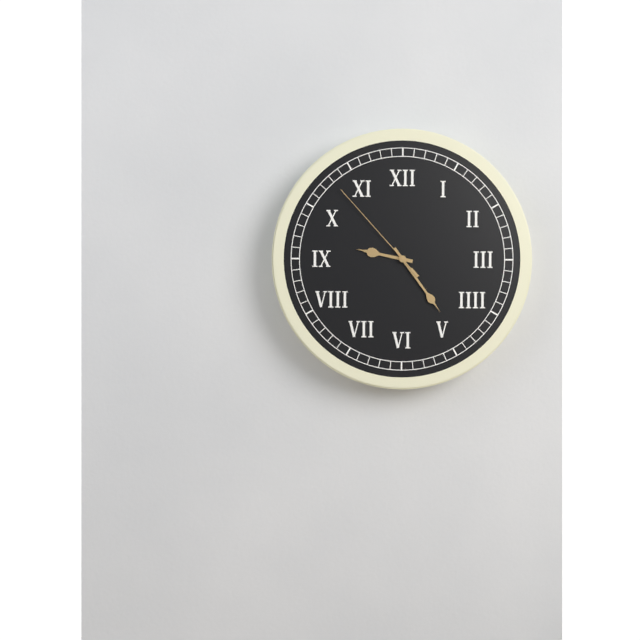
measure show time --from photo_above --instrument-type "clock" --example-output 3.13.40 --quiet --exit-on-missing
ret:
9.24.53
